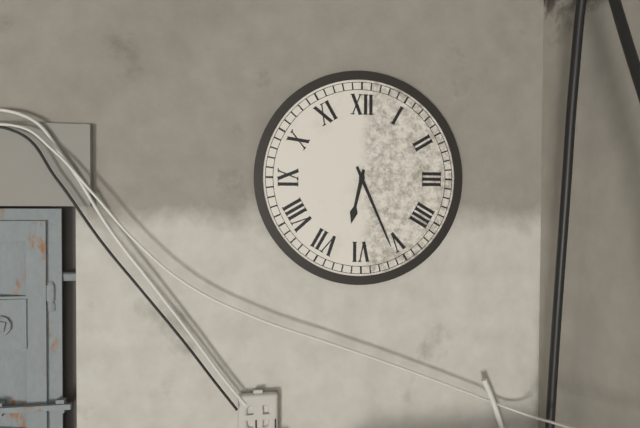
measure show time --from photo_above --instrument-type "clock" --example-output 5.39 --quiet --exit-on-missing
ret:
6.26
